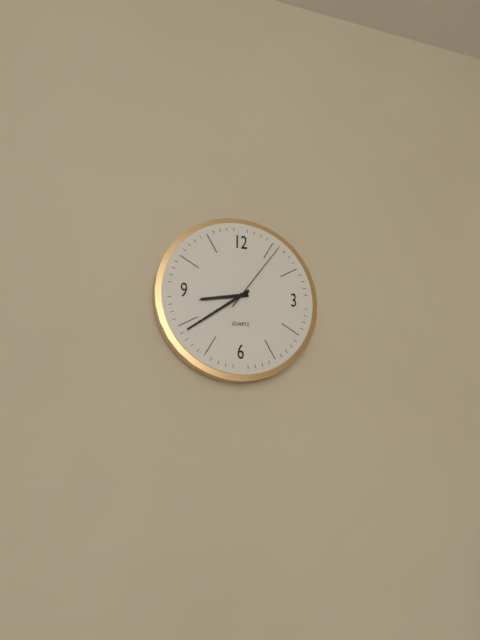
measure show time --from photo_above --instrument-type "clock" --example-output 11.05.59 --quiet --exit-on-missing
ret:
8.39.06
